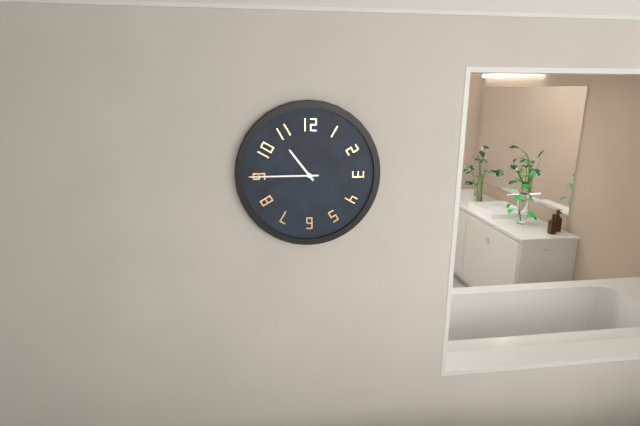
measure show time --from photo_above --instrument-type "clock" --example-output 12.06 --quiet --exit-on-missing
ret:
10.45
